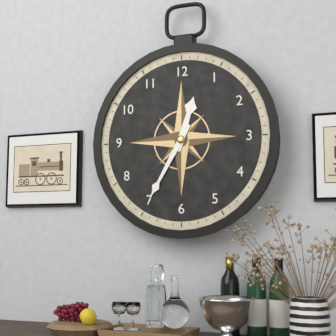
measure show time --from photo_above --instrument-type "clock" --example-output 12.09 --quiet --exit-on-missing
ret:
12.35
